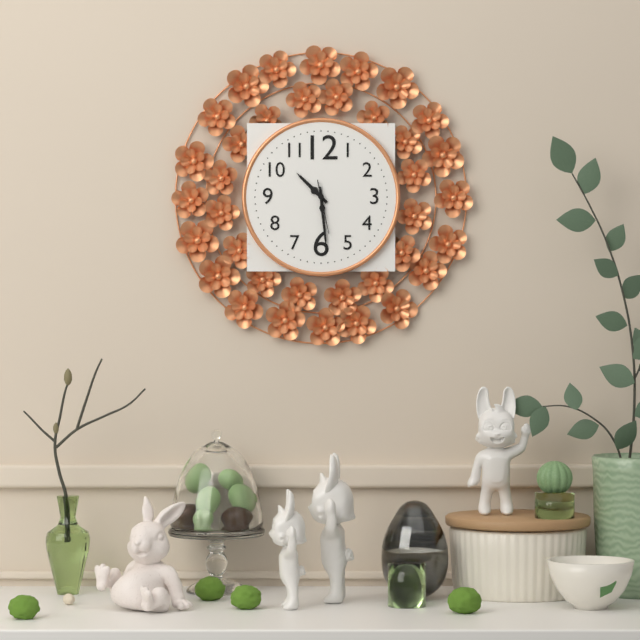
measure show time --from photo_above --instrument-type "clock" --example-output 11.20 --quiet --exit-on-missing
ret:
10.29
